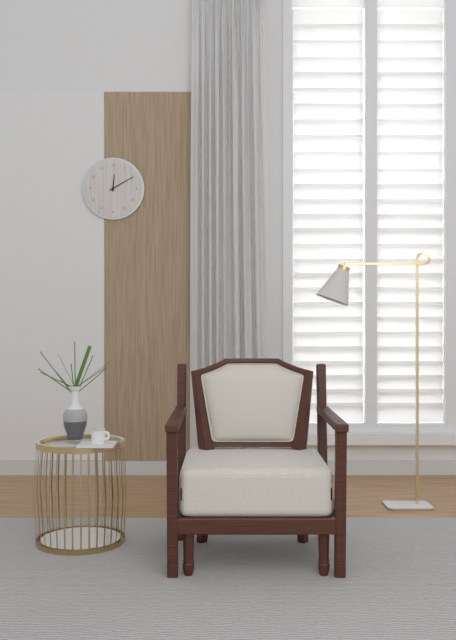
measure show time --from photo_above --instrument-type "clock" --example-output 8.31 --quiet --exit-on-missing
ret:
12.10
